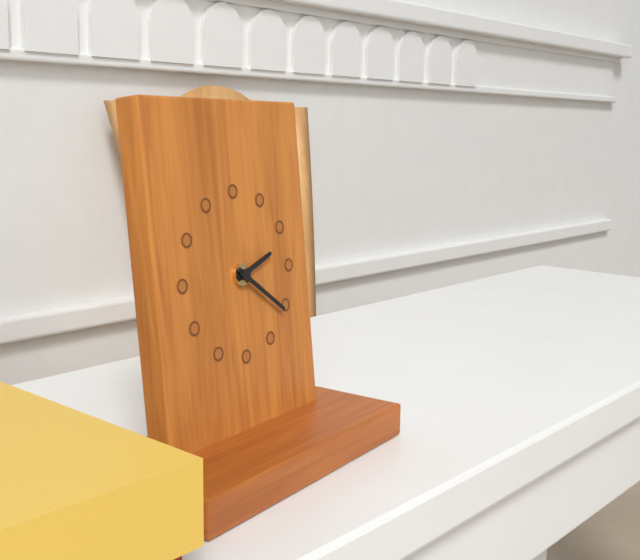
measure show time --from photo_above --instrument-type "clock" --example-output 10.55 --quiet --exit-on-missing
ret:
2.21
